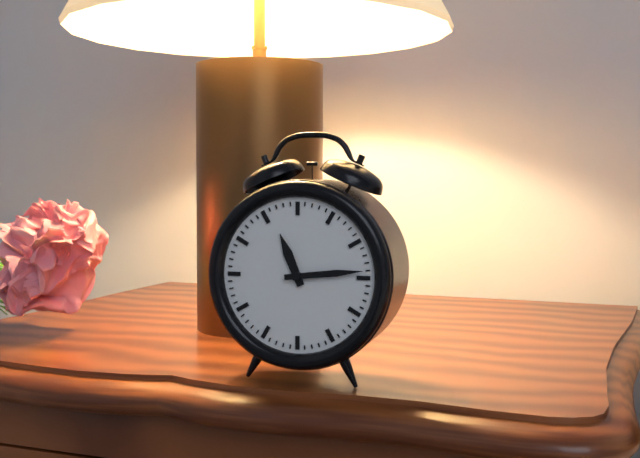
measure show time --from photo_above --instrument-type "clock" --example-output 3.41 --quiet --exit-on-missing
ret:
11.14
